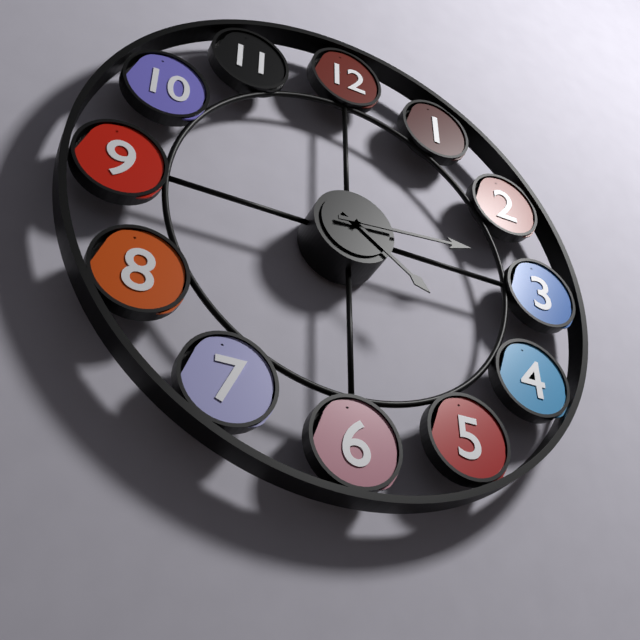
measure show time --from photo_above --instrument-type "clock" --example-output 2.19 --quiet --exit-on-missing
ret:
4.14
